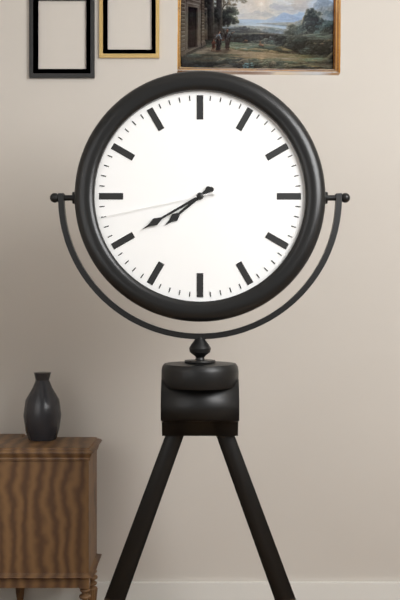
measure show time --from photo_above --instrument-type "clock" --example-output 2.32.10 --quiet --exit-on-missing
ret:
7.40.43
